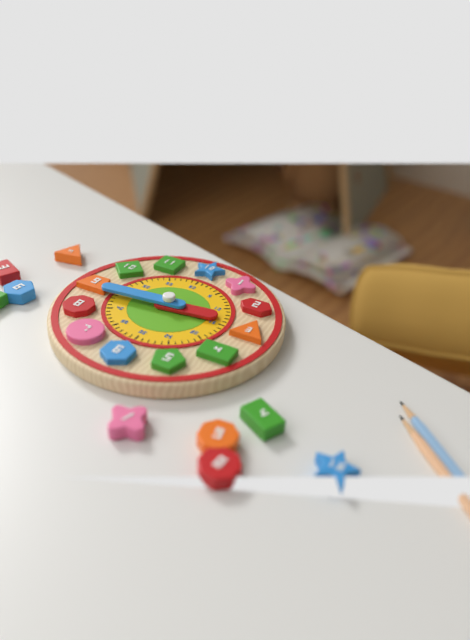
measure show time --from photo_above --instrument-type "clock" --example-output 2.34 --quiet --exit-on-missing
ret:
2.44
